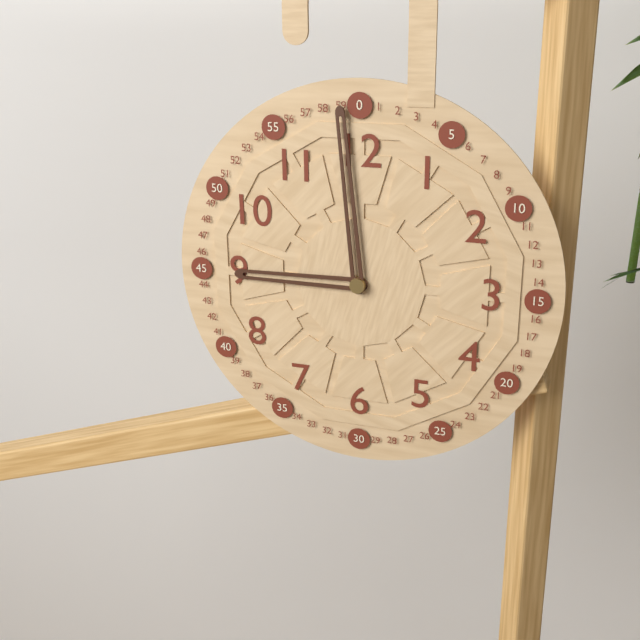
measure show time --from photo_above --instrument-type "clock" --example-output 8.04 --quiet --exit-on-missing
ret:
8.59
